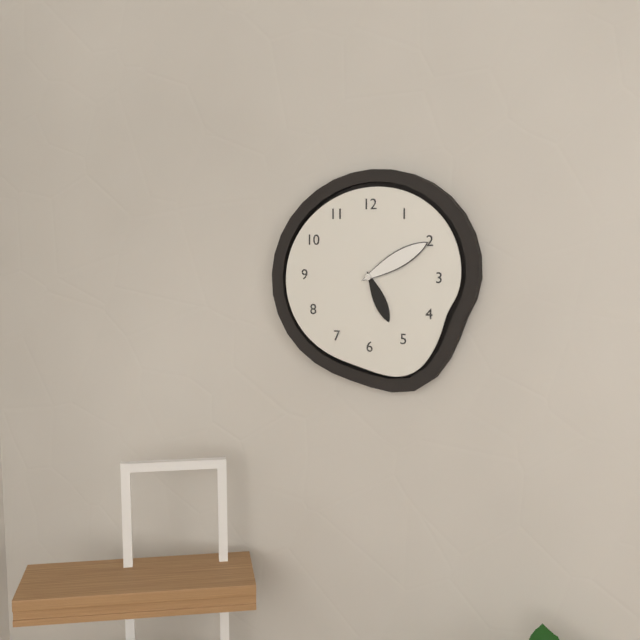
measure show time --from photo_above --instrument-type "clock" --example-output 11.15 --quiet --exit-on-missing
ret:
5.10
